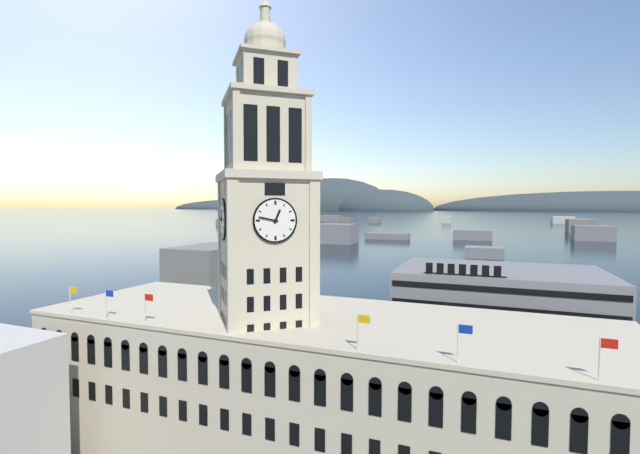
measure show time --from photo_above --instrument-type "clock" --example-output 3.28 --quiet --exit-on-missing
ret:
12.47
